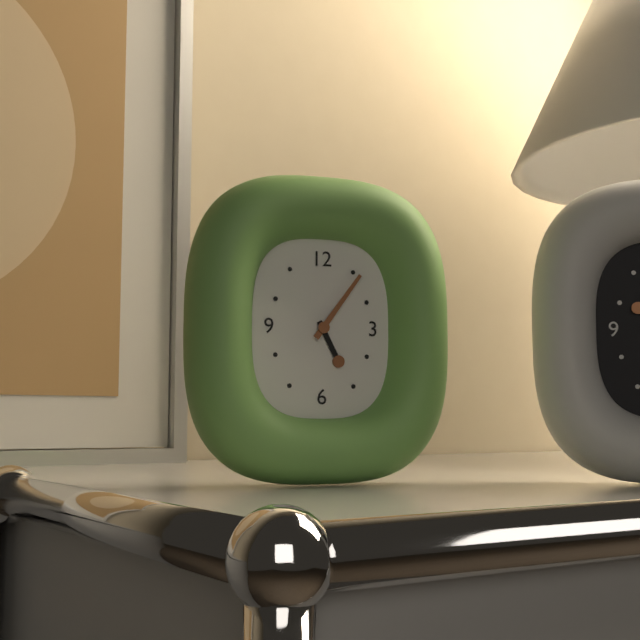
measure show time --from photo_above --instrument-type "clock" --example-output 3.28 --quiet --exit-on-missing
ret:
5.06
